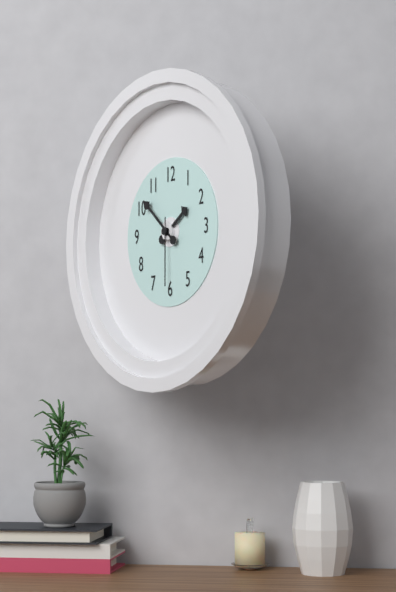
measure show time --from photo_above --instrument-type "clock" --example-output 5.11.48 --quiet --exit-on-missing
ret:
1.52.30
